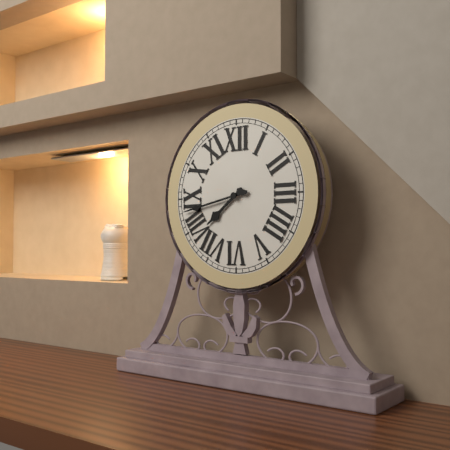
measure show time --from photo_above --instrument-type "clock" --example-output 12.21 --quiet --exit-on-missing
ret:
7.43
